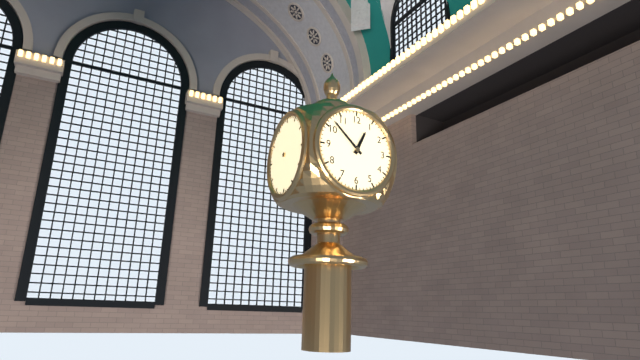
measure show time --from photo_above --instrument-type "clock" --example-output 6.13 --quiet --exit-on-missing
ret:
12.52
